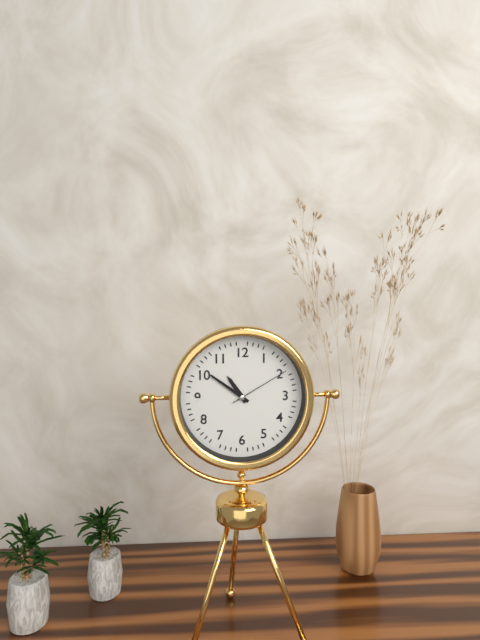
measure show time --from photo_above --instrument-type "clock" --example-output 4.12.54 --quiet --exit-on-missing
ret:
10.51.10
